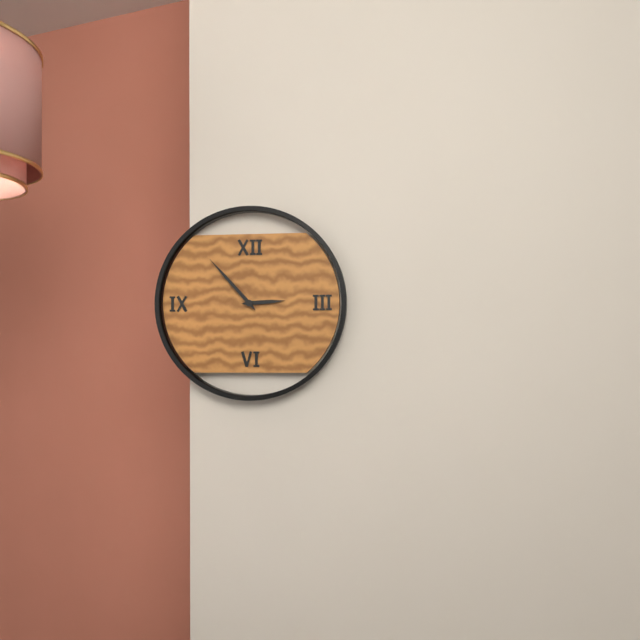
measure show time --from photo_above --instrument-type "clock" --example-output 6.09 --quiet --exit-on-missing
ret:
2.53
